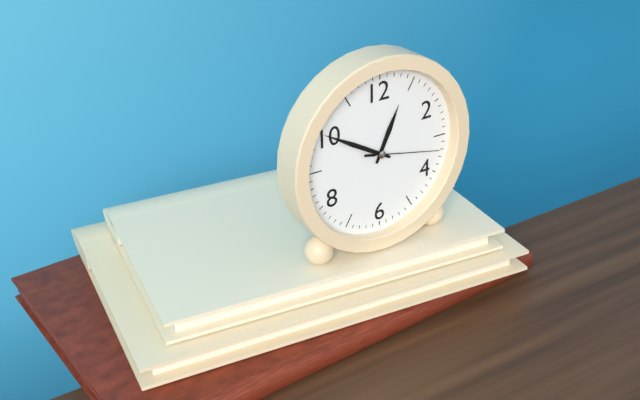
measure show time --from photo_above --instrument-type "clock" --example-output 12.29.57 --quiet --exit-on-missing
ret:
12.50.17
